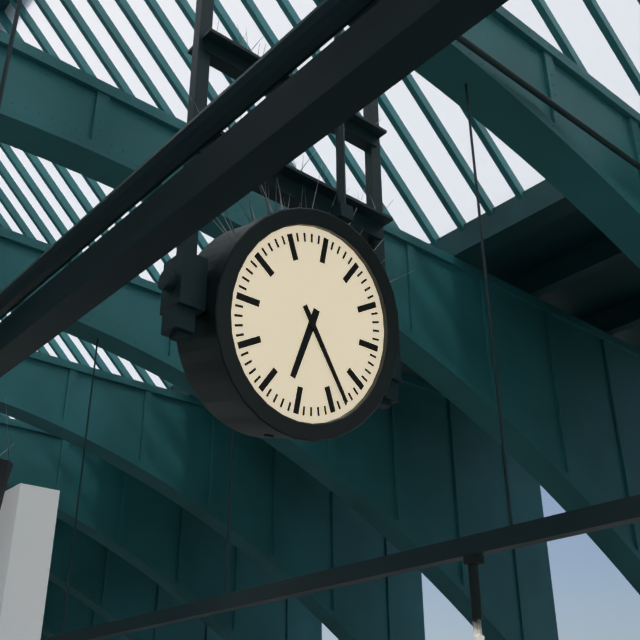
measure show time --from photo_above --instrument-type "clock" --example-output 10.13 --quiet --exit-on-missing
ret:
6.23
